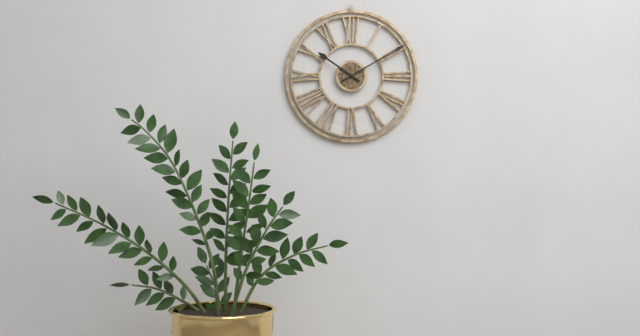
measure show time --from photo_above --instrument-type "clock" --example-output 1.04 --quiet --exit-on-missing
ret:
10.10
